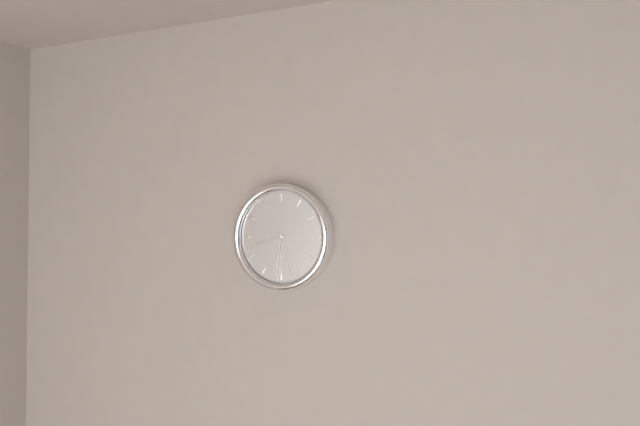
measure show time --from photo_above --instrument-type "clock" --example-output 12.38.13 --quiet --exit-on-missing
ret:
8.31.27
